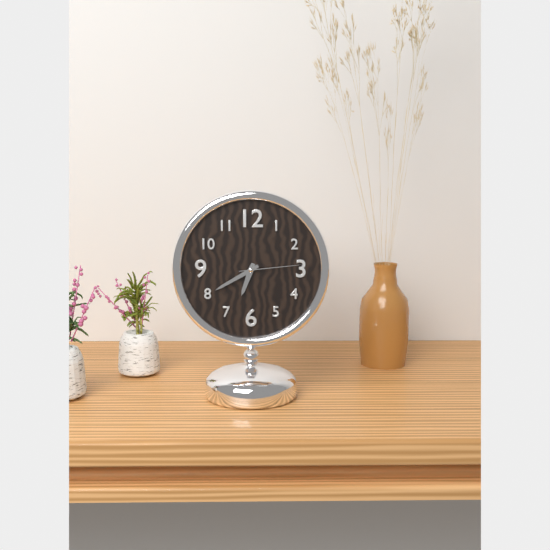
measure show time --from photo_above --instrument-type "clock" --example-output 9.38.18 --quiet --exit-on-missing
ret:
6.40.14
